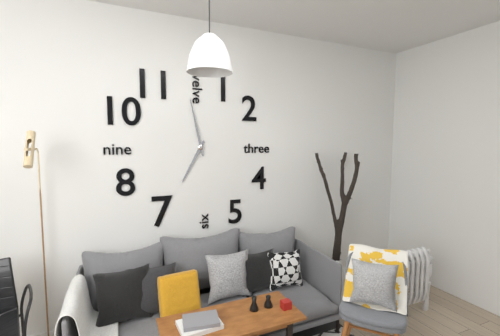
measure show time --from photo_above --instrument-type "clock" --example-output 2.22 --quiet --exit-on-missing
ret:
6.58
